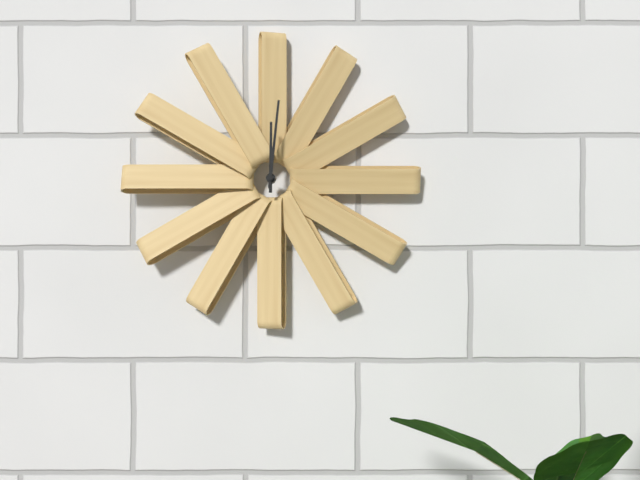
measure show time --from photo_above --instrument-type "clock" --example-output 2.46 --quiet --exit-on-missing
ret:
12.01
